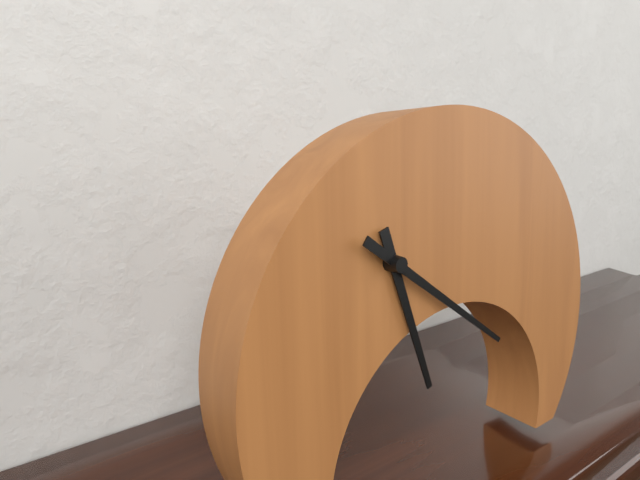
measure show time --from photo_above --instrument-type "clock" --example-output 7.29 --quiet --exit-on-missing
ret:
5.21
